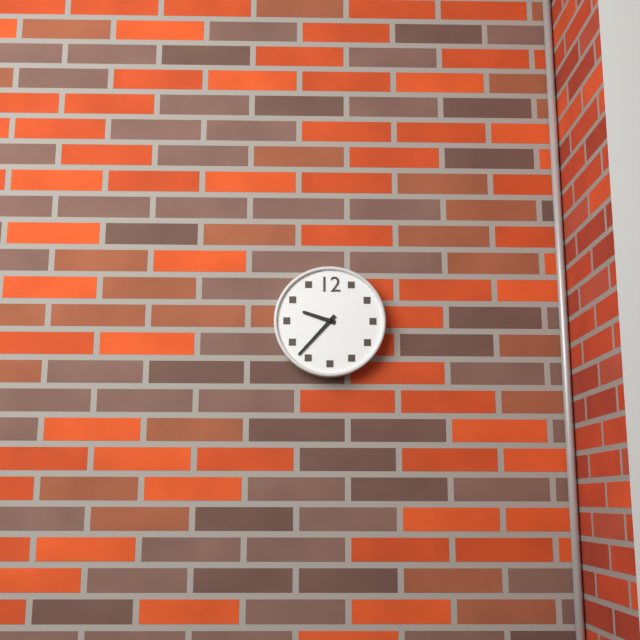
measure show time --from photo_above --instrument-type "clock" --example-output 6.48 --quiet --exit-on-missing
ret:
9.37
